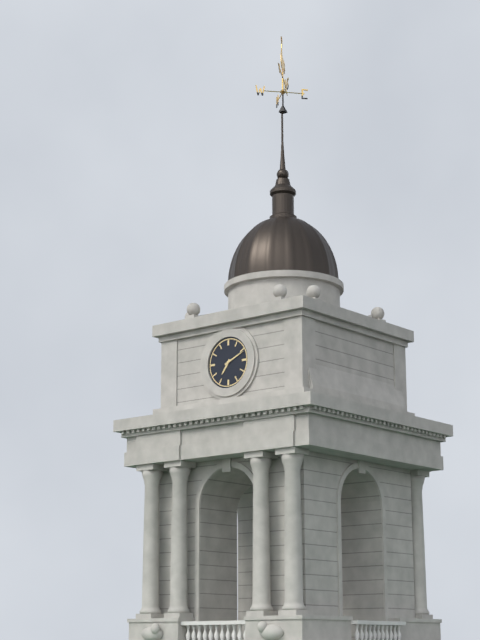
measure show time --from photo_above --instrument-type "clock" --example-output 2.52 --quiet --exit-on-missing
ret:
7.11
